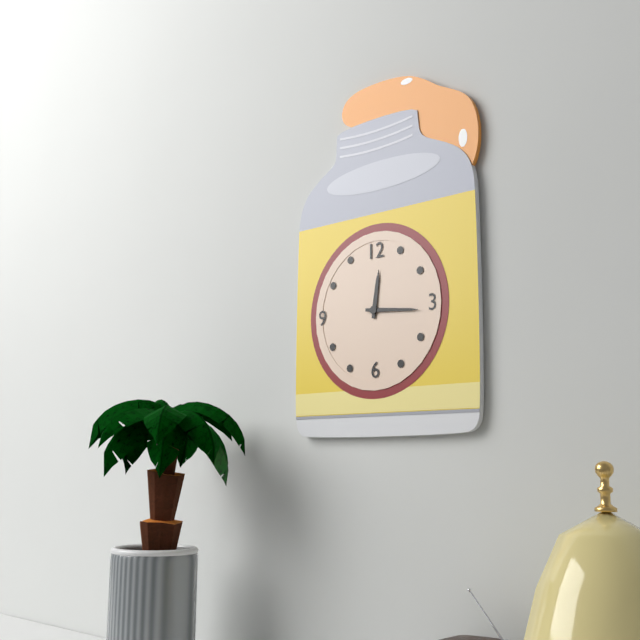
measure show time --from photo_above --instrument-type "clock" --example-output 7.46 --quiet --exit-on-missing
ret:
12.16
